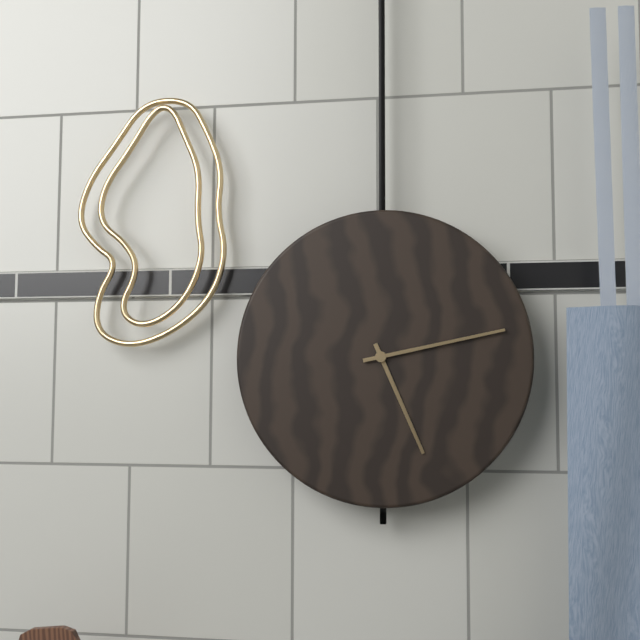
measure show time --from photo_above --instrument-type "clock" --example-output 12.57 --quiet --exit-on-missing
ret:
5.13
